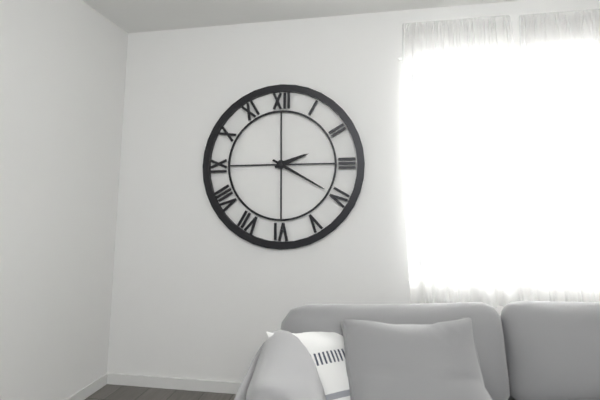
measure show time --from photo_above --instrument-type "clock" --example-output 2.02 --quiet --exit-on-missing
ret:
2.20
